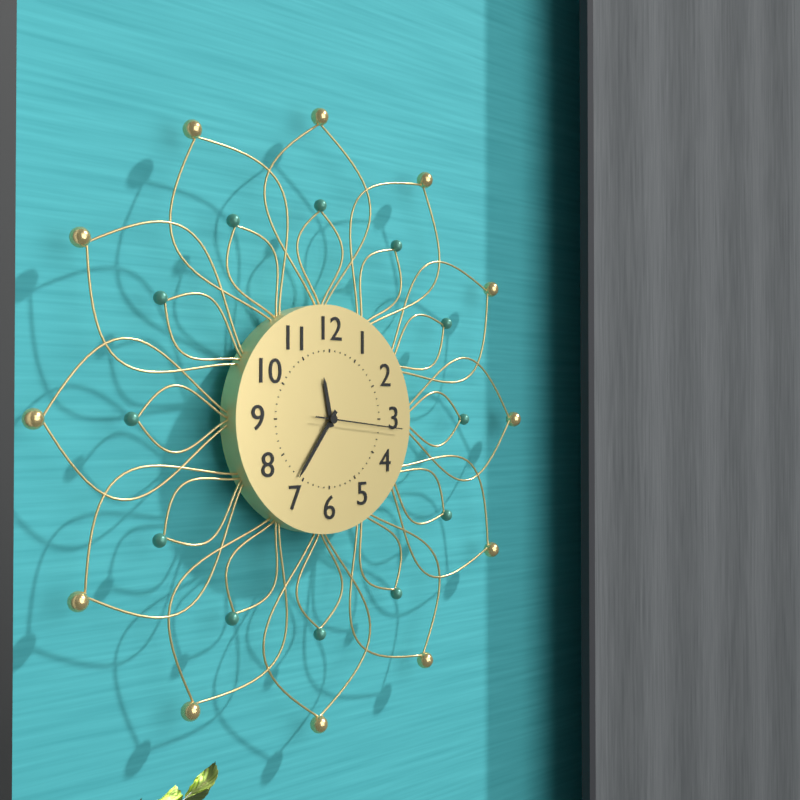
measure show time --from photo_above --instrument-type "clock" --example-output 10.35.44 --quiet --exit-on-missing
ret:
11.36.16
